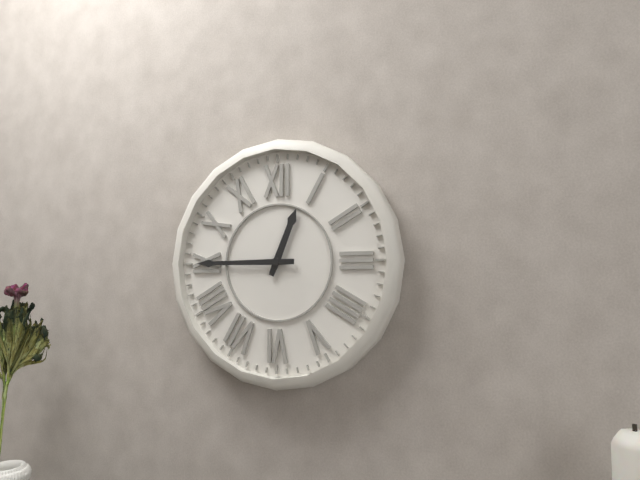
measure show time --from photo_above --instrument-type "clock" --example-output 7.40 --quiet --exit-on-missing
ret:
12.45
